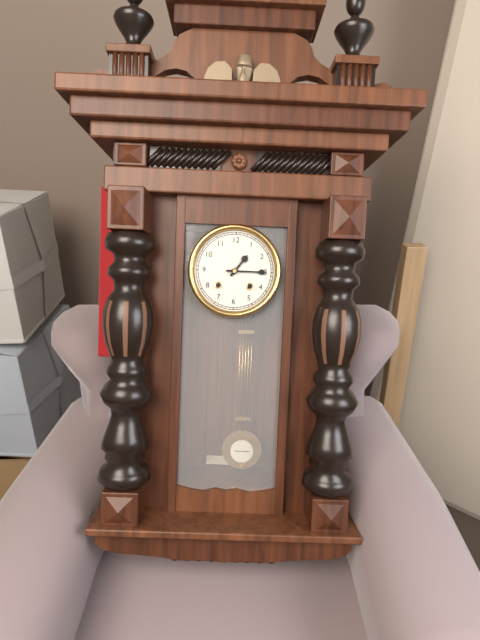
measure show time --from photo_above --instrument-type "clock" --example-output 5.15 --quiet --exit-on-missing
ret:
1.15
